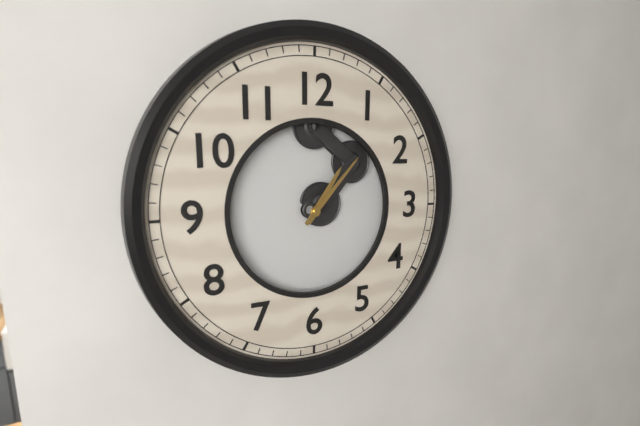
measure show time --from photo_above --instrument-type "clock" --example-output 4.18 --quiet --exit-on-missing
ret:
1.07
